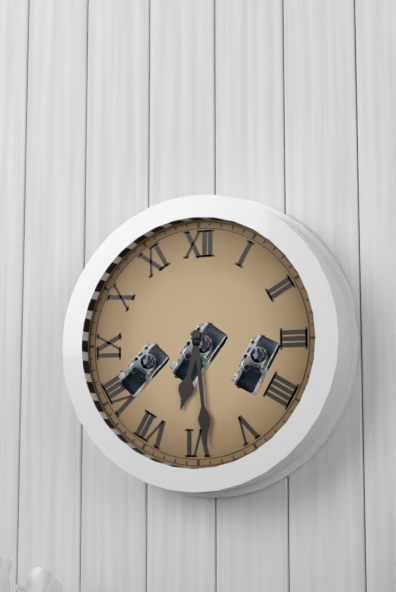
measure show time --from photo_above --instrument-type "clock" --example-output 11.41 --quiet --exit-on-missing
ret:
6.29
